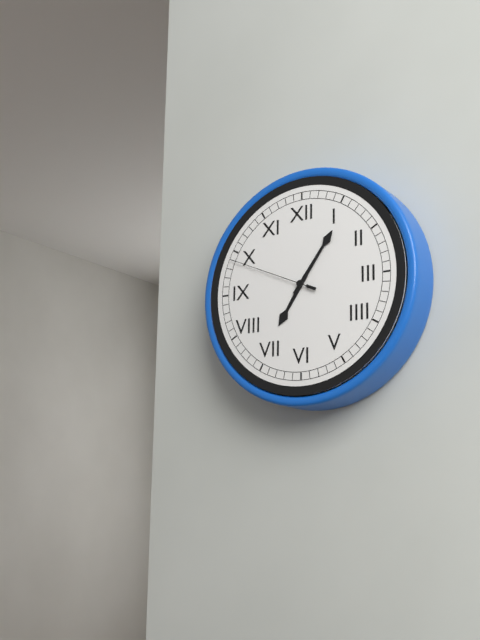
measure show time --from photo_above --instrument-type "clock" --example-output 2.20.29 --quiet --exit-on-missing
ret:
7.06.49
